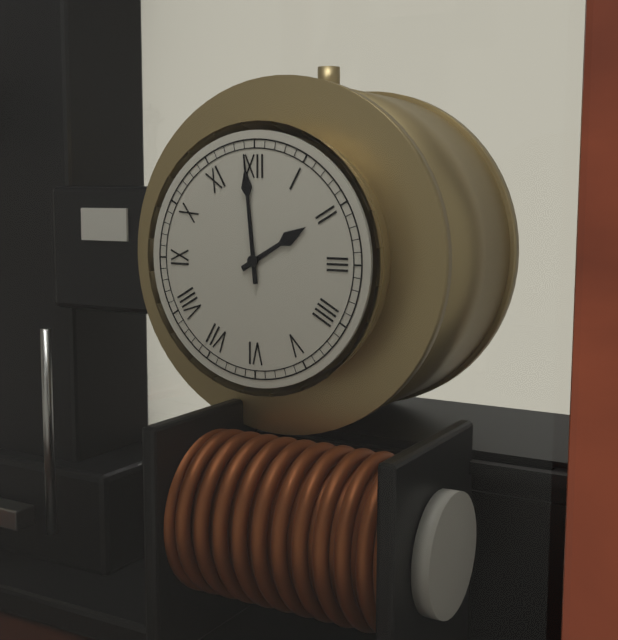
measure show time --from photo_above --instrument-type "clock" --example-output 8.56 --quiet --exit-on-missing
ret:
1.59
